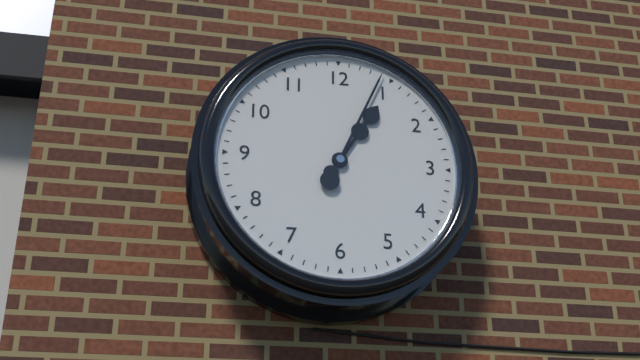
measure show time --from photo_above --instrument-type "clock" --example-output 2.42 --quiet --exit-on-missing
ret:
1.04
